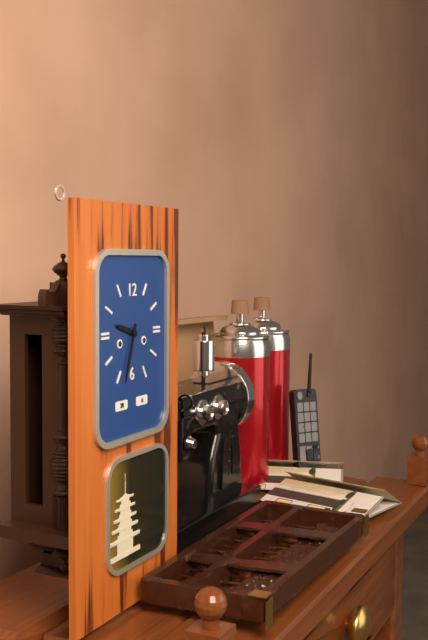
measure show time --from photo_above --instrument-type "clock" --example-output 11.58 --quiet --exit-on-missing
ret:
9.33
